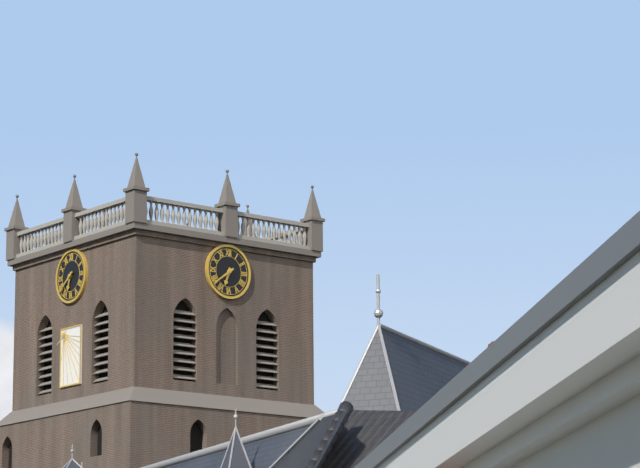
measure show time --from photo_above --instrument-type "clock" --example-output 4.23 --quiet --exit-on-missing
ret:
6.39
